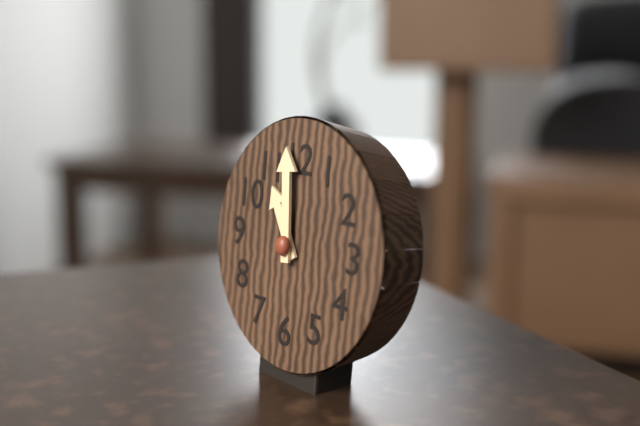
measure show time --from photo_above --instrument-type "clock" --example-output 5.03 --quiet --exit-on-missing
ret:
10.59
